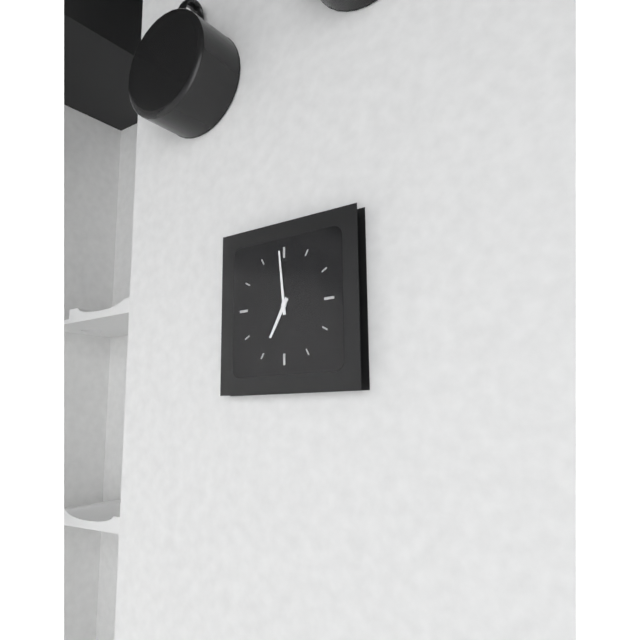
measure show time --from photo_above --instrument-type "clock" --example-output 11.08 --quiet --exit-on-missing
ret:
6.59
